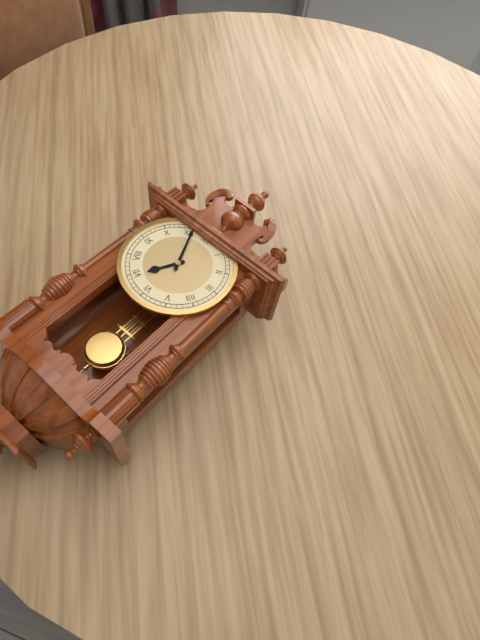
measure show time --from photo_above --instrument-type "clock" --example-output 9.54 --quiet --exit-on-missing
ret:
6.56
